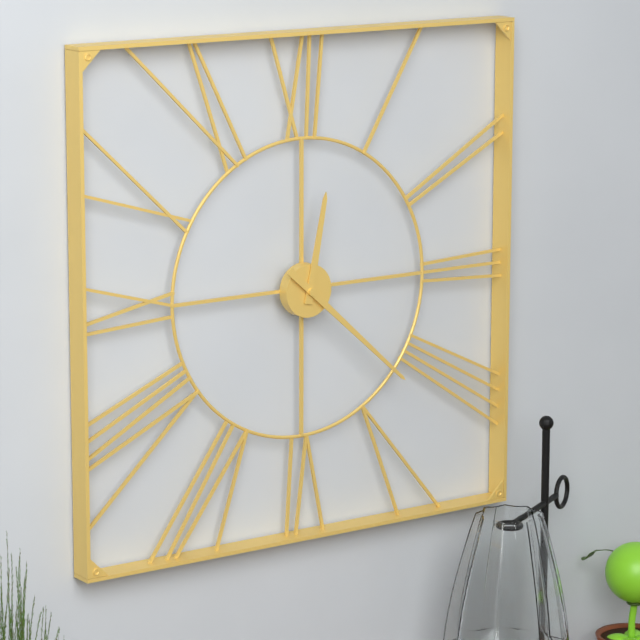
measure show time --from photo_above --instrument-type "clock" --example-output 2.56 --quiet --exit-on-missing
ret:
12.22
